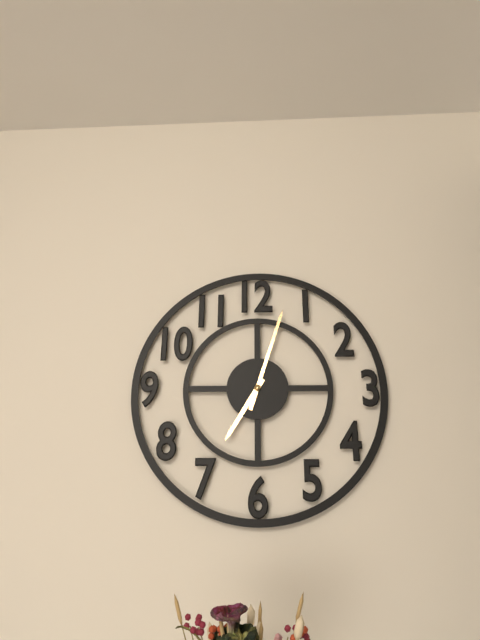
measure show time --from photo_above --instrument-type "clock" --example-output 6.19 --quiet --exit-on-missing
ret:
7.03
